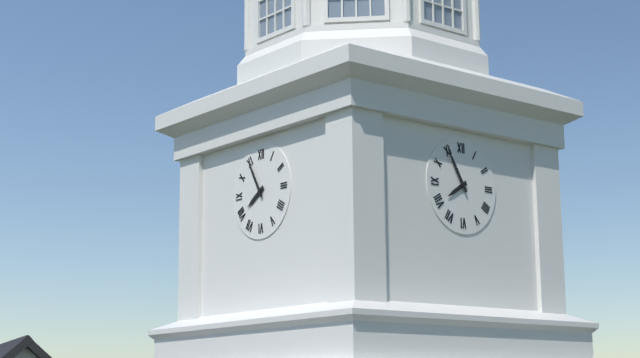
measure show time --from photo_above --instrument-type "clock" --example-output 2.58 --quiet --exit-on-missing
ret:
7.55
